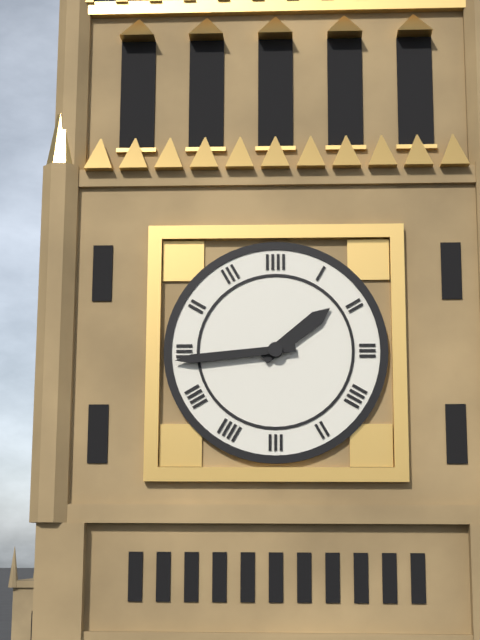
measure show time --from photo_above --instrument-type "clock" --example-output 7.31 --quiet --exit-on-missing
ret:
1.44
